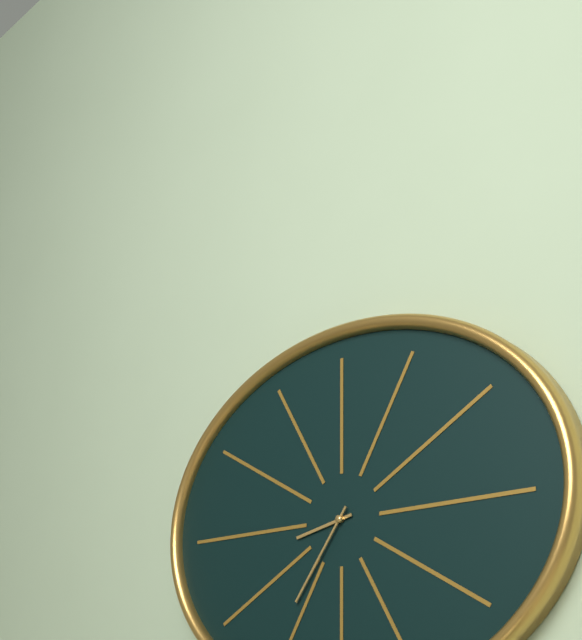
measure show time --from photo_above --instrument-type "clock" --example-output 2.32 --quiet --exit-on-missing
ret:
8.36
